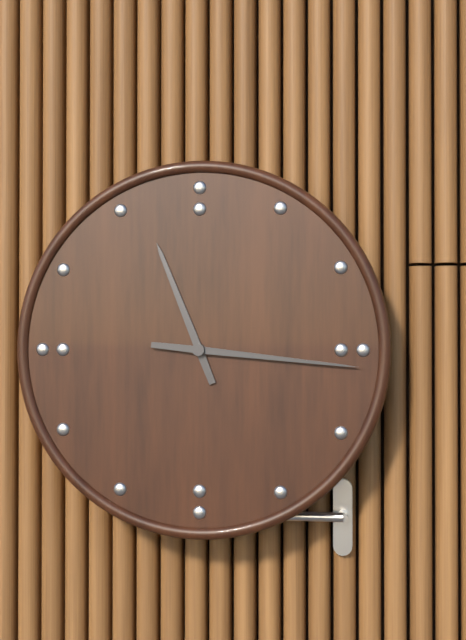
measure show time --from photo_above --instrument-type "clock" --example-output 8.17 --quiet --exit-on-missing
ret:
11.16
